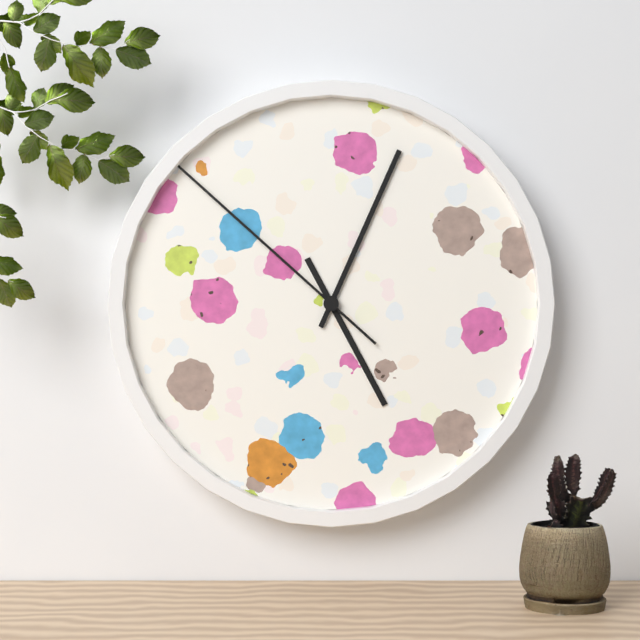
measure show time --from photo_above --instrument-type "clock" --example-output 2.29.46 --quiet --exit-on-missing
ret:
5.04.52
